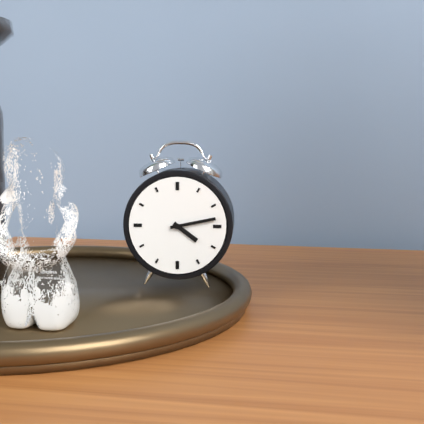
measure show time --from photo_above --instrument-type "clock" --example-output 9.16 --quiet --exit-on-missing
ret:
4.13
